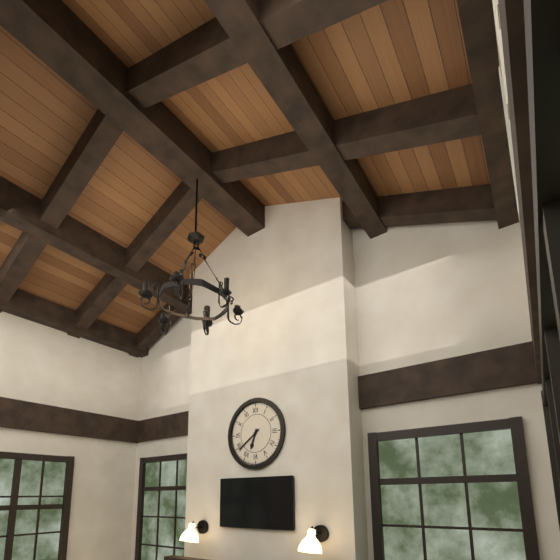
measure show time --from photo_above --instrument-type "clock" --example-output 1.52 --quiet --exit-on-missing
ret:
6.39
